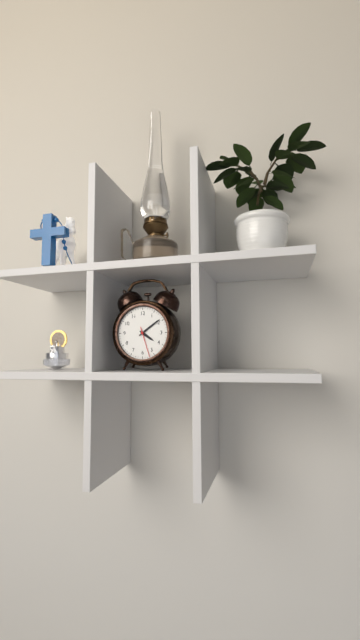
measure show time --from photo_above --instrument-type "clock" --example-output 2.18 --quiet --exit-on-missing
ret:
4.09
